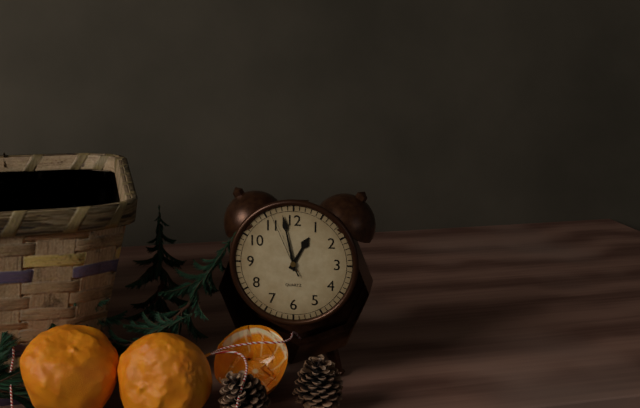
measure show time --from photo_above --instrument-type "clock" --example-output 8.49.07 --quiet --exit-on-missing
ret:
12.58.56
